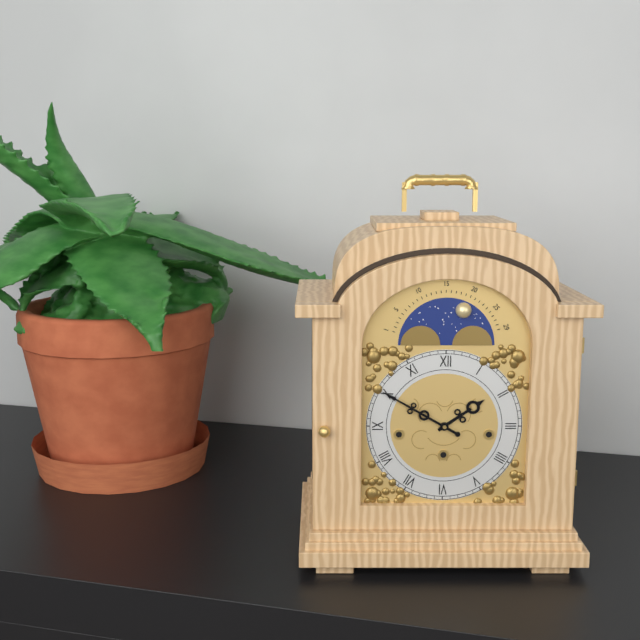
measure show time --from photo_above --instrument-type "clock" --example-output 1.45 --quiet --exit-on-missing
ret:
1.50
